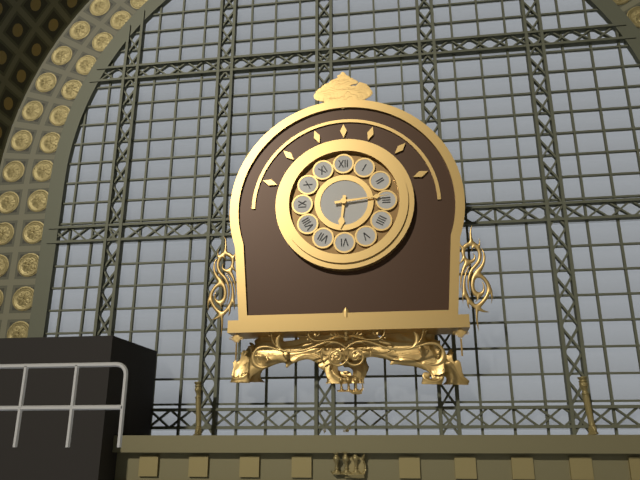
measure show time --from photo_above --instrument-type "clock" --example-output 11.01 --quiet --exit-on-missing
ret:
6.14
